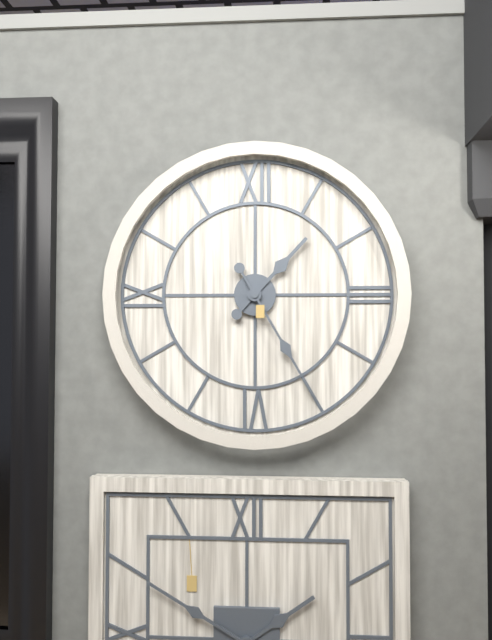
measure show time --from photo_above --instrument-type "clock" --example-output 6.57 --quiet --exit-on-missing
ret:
1.25
